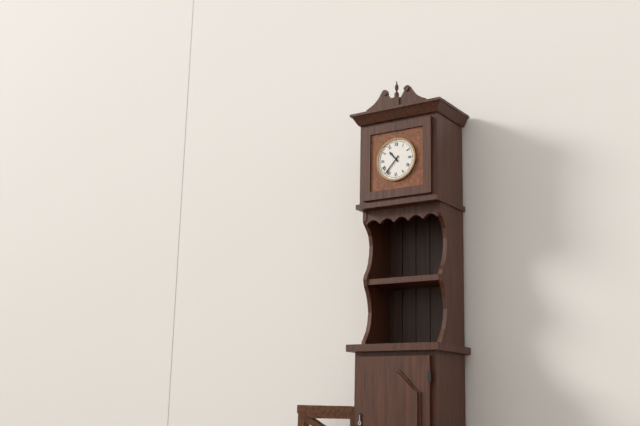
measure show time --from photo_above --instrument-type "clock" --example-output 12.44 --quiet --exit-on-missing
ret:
10.37
